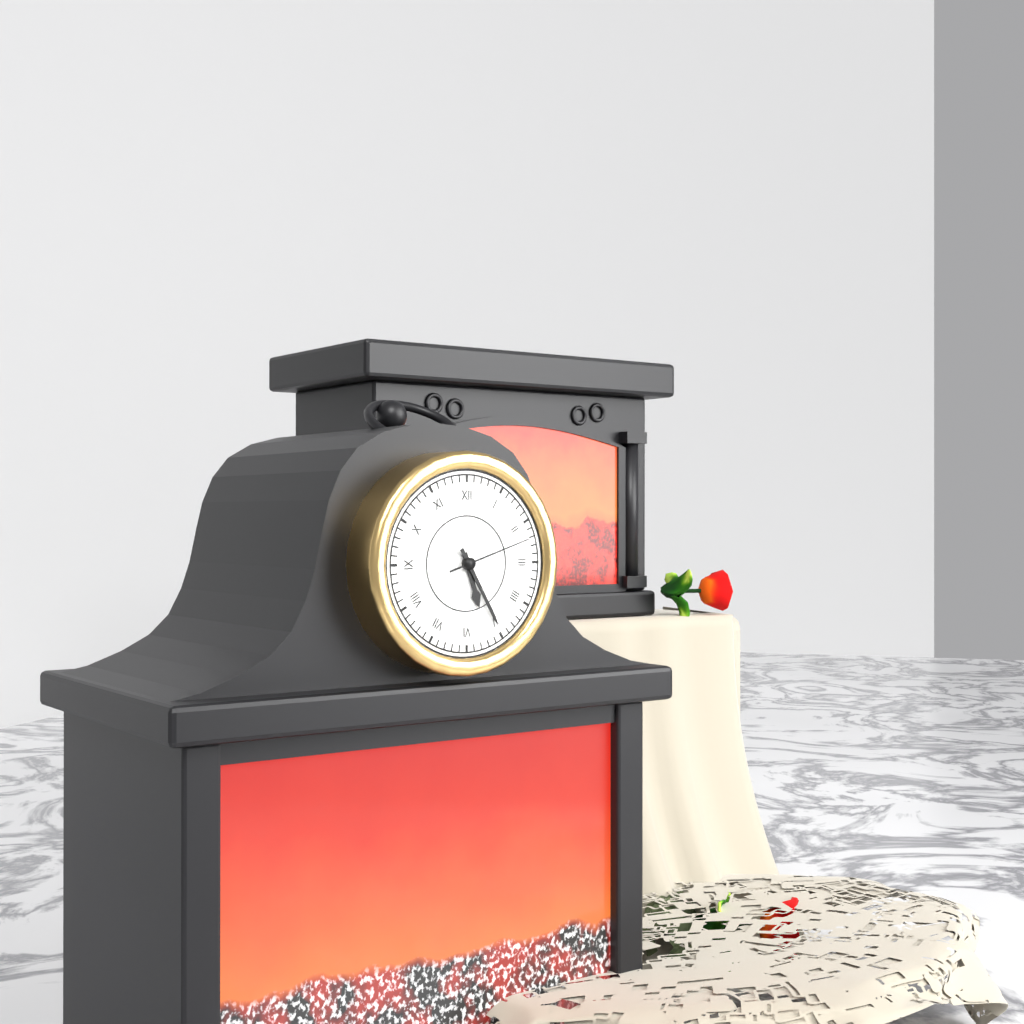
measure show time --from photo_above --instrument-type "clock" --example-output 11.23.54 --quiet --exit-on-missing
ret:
5.25.12
